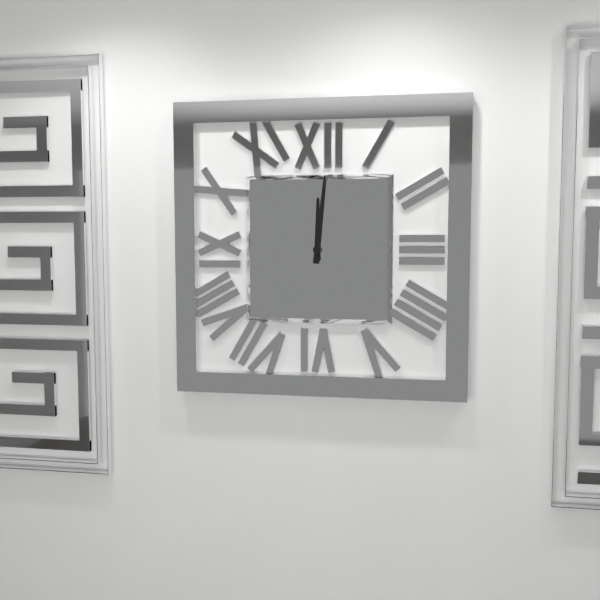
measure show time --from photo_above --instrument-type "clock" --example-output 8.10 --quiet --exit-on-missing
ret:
12.01
